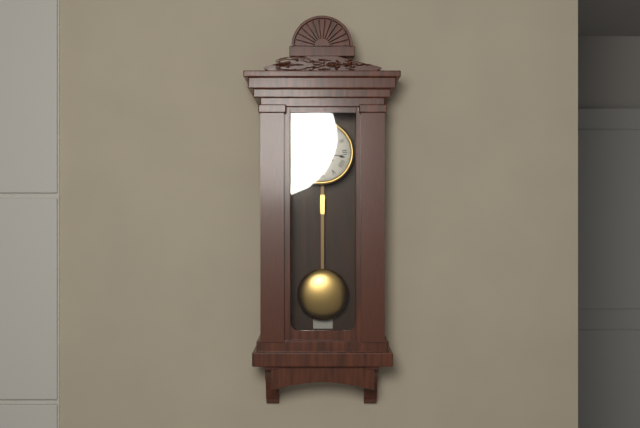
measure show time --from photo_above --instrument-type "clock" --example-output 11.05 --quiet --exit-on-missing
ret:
6.17
